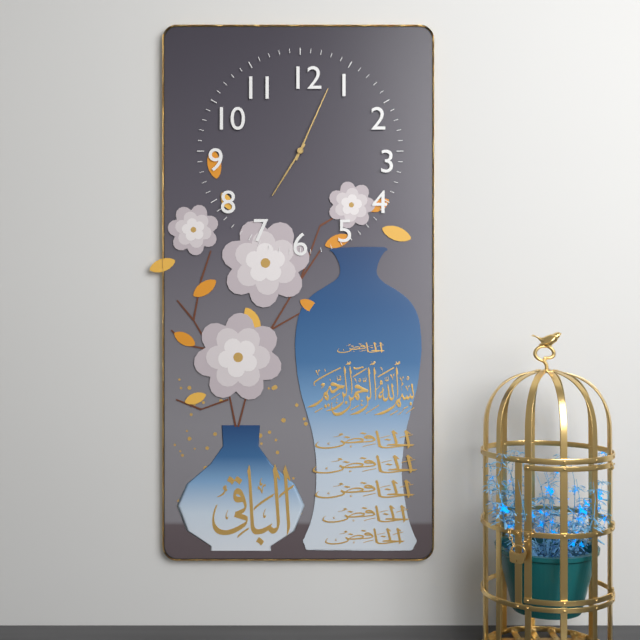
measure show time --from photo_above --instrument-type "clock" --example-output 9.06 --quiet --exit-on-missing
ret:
7.04
